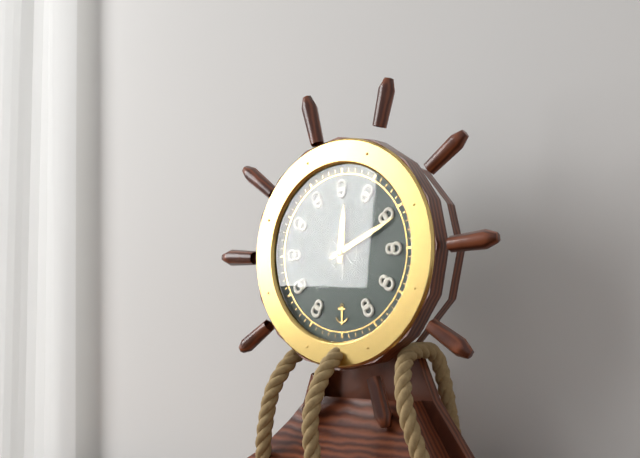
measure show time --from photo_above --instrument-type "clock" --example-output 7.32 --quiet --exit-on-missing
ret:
12.11
